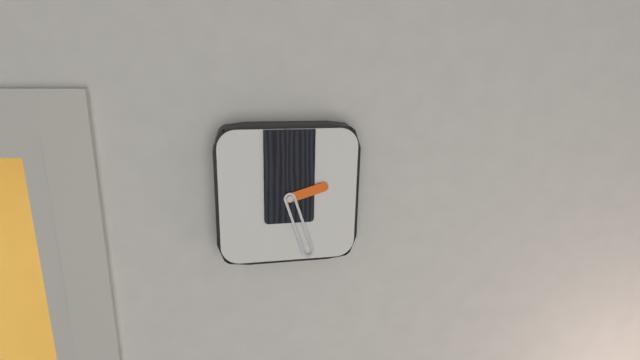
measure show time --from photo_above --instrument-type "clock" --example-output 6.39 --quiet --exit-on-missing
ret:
2.27
